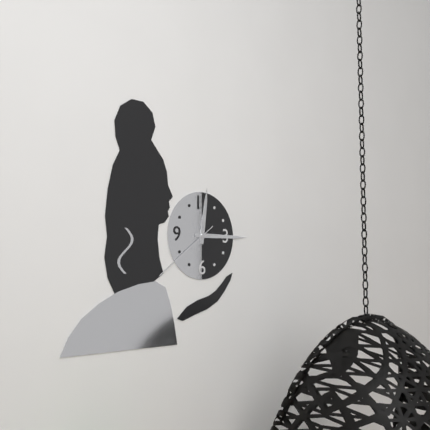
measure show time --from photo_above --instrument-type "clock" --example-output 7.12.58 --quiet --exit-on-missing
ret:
12.15.39
